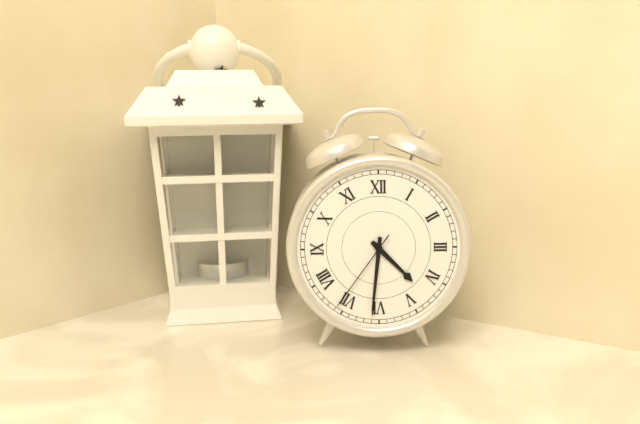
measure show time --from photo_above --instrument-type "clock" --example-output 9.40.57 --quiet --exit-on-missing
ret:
4.31.36
